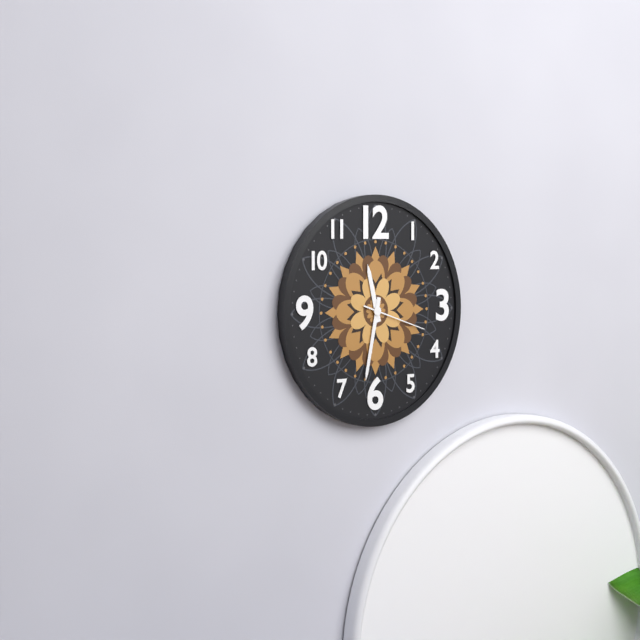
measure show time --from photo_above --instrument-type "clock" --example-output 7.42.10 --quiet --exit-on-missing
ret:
11.32.18
